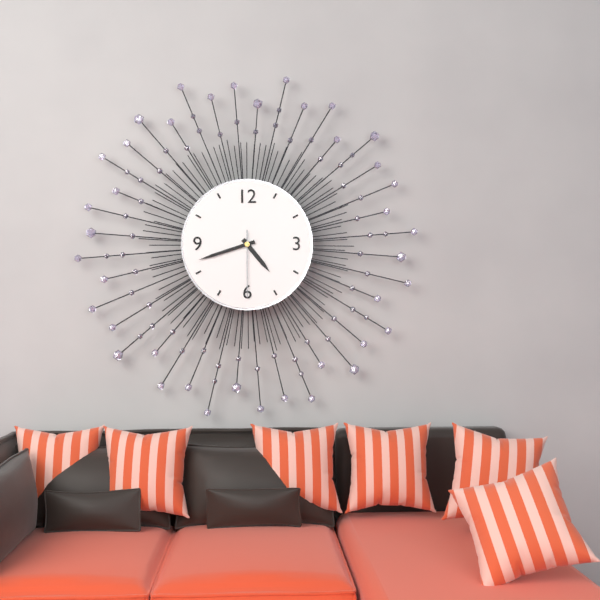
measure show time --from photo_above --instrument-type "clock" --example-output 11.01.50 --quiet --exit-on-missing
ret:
4.42.30
